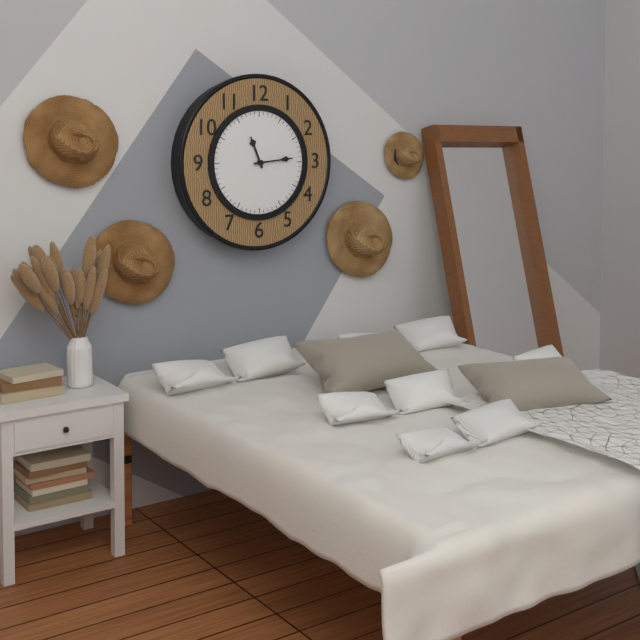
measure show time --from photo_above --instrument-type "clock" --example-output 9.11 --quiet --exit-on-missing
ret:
11.14
